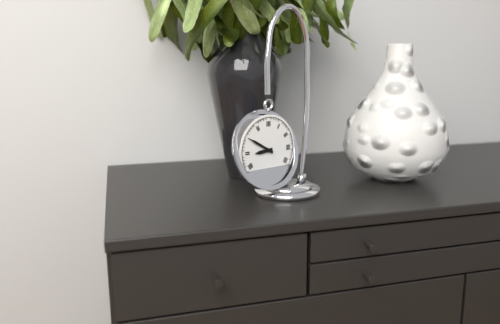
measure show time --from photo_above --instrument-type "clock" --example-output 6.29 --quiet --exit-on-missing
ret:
8.50
